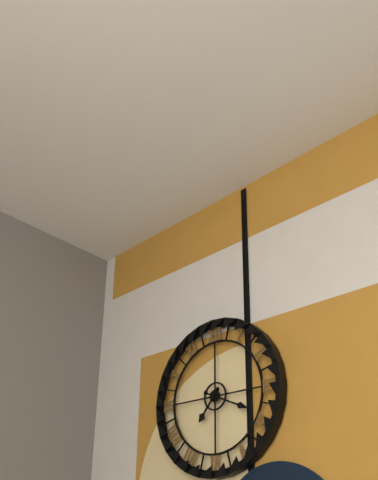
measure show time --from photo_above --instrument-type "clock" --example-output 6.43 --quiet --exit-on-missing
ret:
7.19
